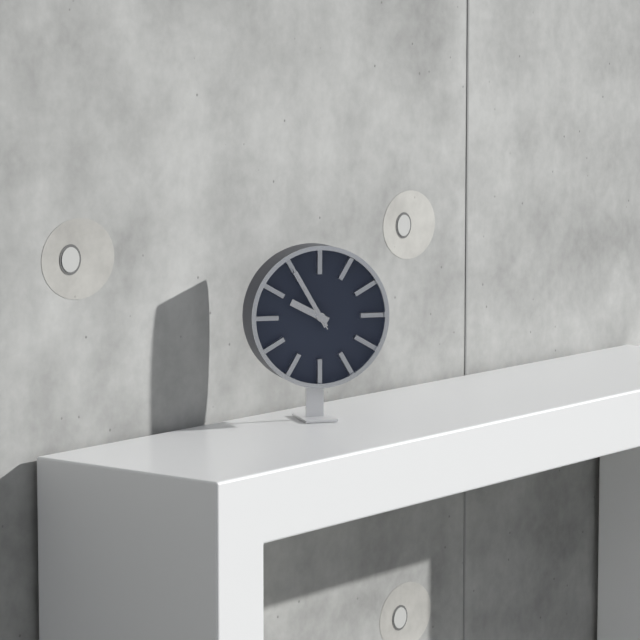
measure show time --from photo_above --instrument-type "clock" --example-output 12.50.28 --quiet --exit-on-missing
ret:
9.55.55
